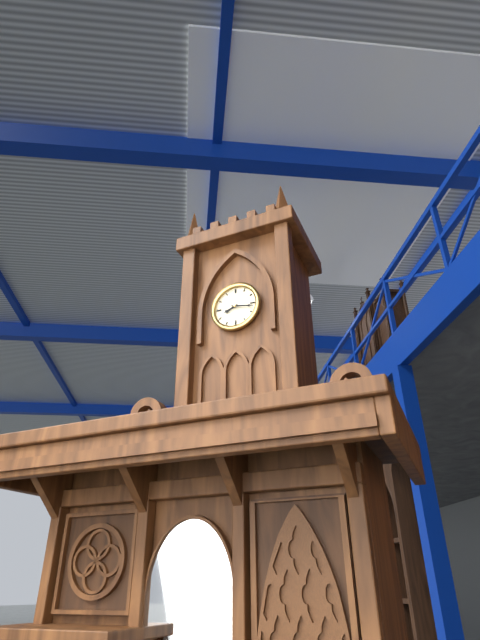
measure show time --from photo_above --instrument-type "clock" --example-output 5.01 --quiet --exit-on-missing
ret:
8.17
